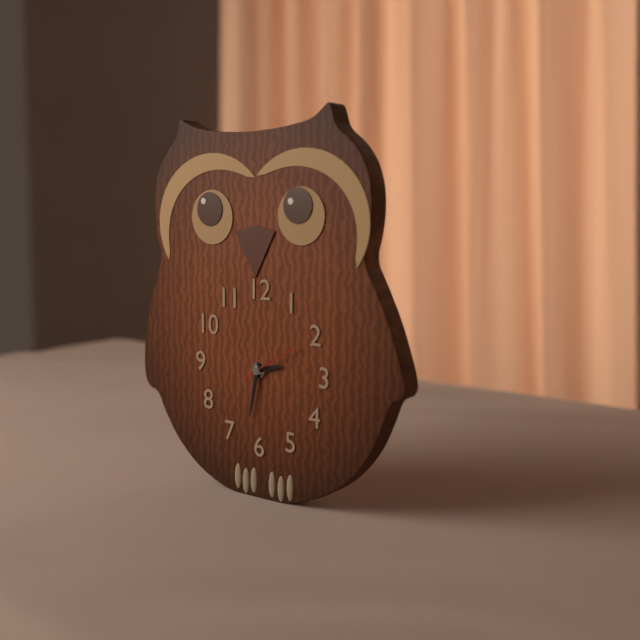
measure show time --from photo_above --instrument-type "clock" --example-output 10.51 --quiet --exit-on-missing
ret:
2.32
